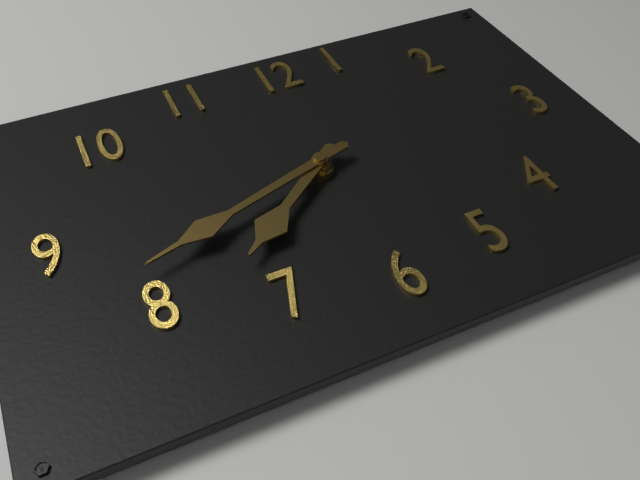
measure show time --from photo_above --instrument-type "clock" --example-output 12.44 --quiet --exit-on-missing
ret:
7.42
